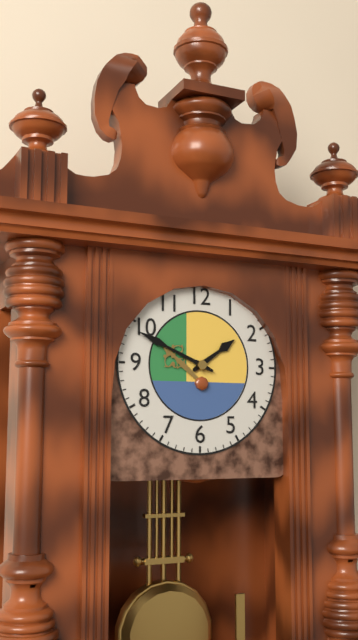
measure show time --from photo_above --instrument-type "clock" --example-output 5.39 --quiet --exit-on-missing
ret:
1.49
